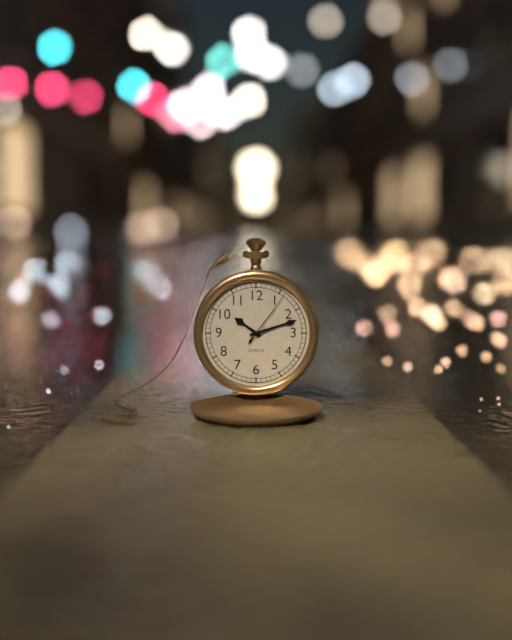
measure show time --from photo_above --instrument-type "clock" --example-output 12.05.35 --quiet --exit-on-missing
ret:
10.12.06
